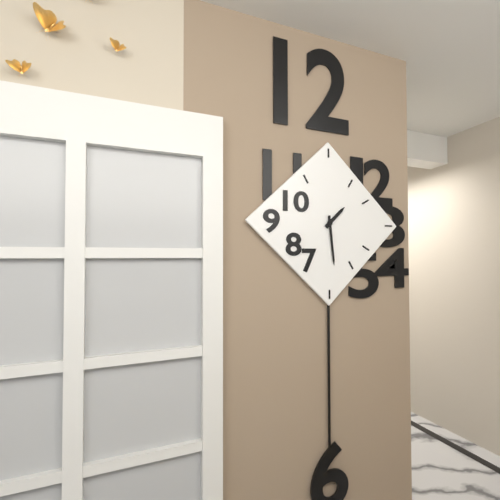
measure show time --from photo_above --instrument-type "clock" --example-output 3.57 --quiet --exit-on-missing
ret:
1.29
